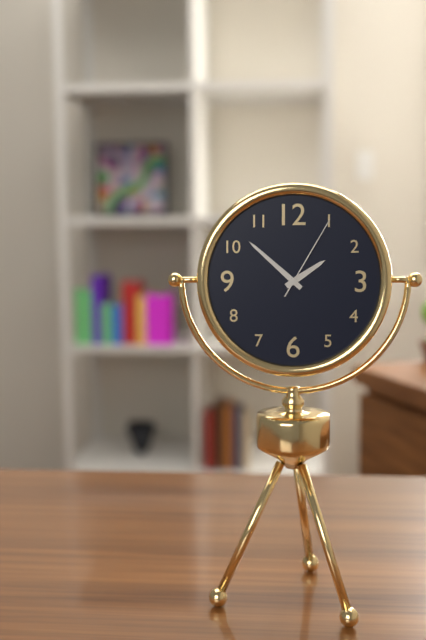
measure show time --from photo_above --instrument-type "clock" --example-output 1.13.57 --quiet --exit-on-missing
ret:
1.52.05
